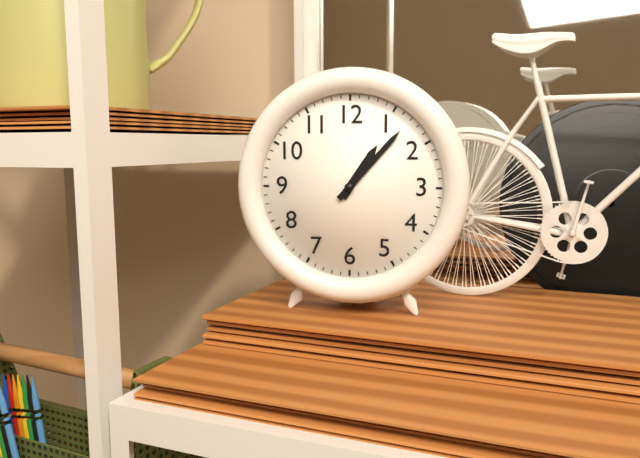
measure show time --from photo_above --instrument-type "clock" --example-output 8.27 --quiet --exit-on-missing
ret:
1.07
